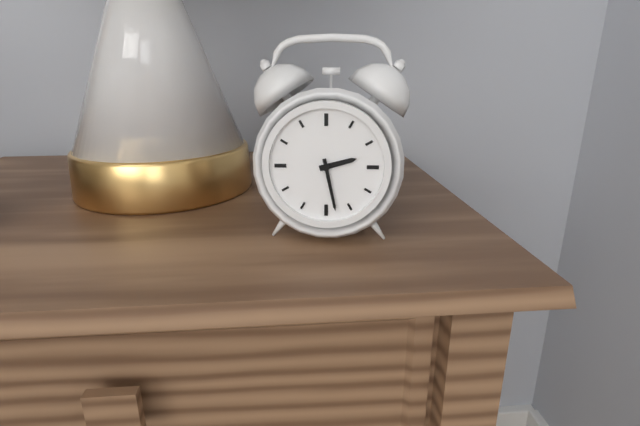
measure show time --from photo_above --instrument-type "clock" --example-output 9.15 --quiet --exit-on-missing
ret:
2.28
